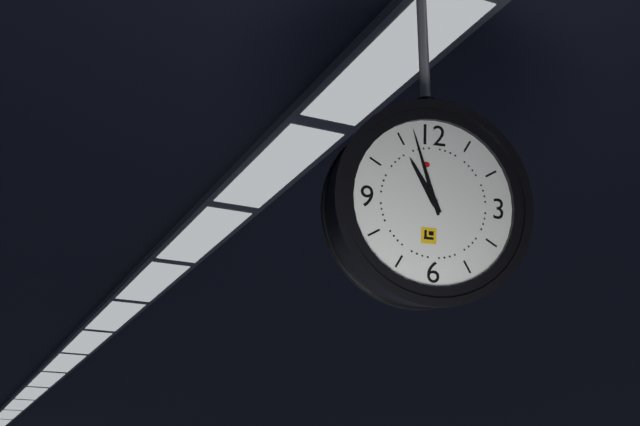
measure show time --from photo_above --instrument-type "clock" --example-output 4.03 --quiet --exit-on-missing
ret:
10.57
